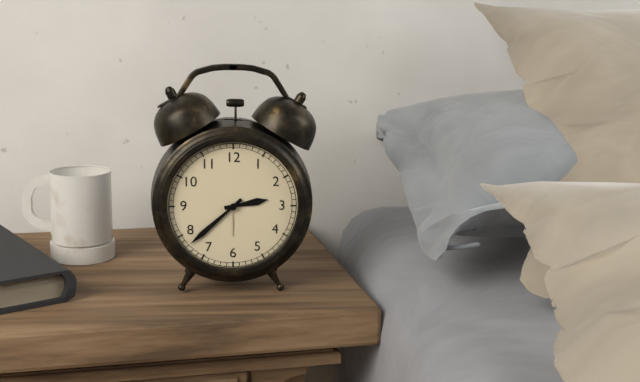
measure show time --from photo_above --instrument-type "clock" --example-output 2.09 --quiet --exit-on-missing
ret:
2.38
